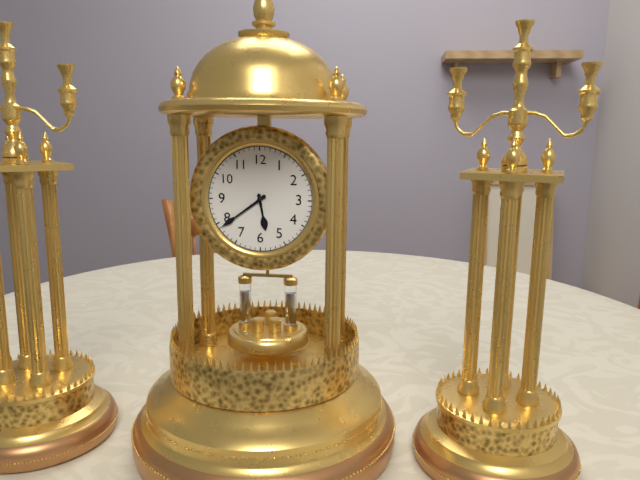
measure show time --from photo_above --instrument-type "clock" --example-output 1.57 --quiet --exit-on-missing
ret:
5.39
